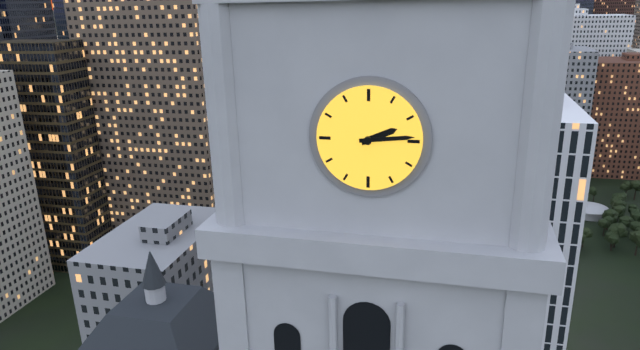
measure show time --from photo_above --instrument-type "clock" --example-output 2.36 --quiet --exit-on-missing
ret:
2.14
